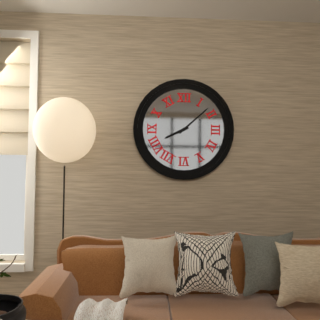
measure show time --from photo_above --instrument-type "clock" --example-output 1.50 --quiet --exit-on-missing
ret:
8.08
